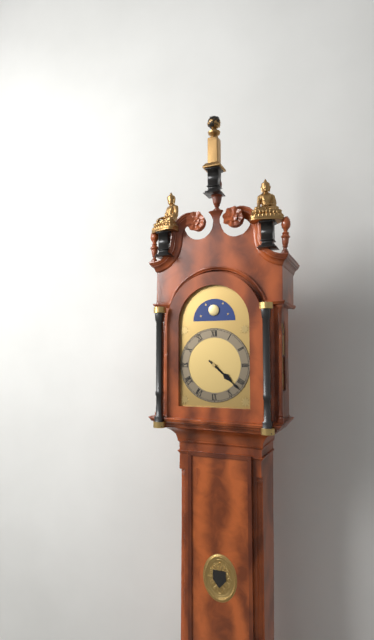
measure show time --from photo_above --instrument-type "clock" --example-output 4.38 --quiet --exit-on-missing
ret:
4.22
